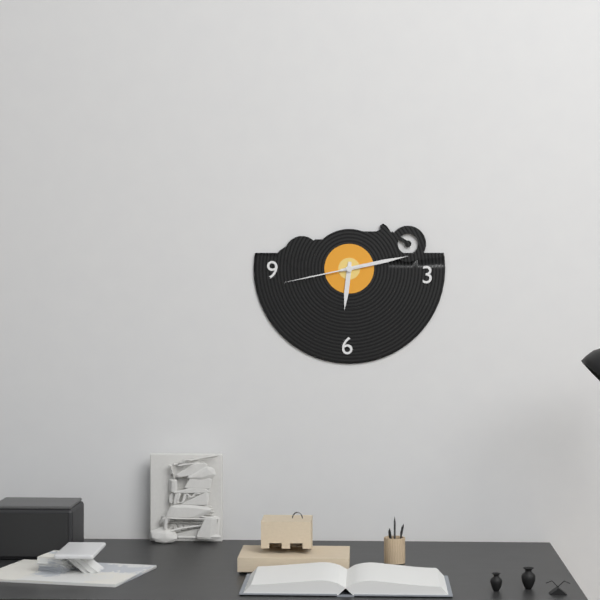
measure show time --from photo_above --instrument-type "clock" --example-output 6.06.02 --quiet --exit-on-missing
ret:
6.13.43
